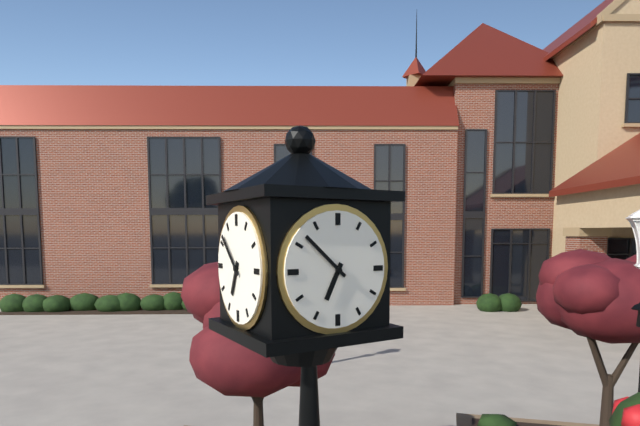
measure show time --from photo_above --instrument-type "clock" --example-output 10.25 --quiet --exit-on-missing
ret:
6.52
